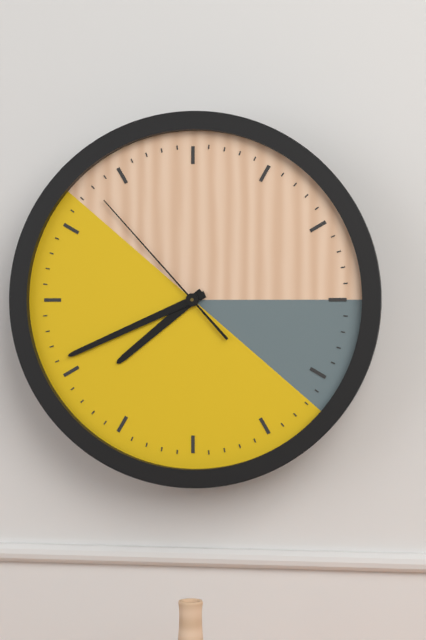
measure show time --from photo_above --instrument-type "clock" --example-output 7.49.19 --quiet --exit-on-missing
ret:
7.41.53
